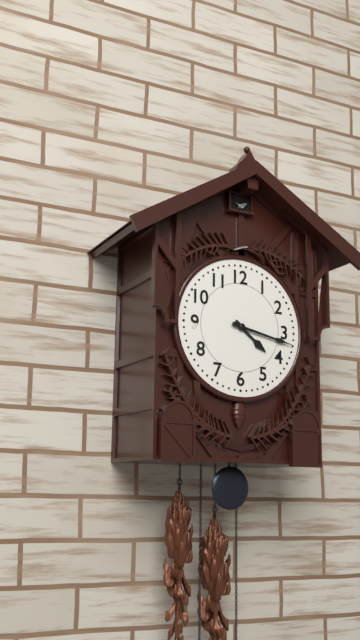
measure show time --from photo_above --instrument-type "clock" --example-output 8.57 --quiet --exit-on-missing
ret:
4.17
